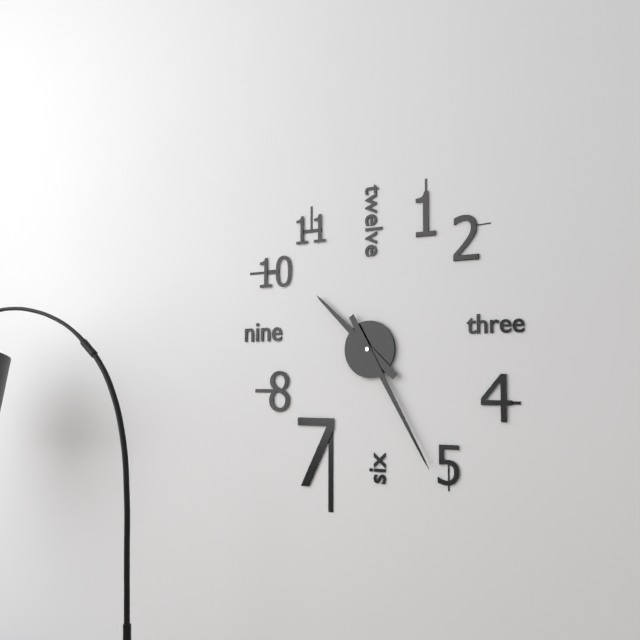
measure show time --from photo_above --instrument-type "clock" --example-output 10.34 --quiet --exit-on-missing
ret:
10.25
